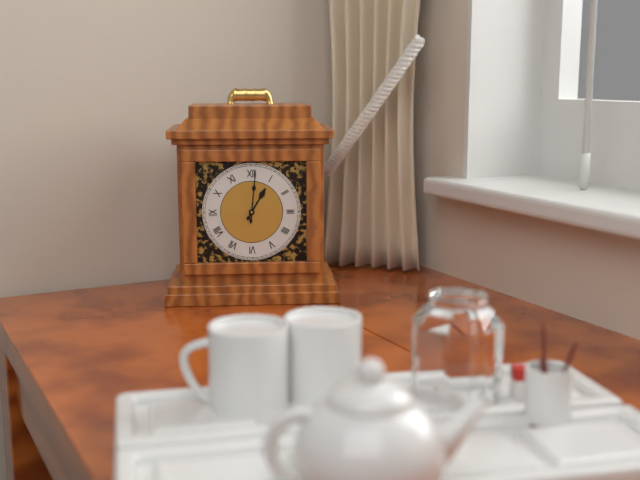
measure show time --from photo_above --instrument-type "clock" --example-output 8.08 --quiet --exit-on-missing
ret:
1.01
